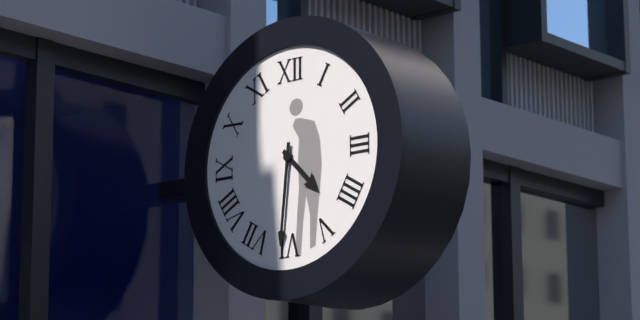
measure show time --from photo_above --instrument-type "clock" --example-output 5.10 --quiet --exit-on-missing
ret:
4.31
